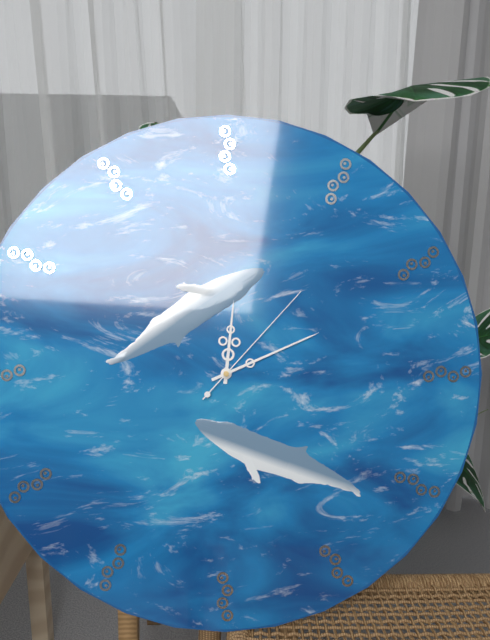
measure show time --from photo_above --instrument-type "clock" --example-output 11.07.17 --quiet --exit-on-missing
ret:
12.11.07
